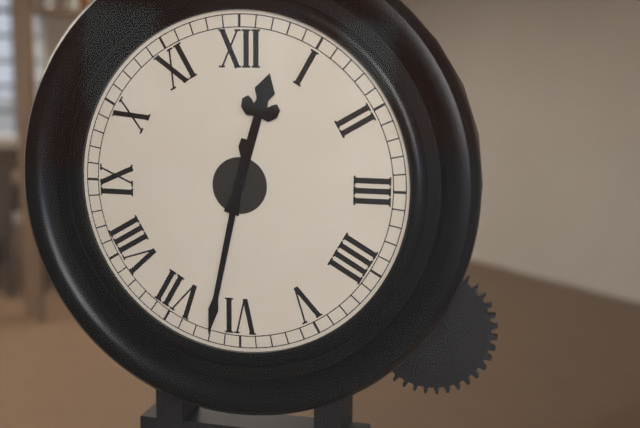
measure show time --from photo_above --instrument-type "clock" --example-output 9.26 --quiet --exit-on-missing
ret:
12.32
